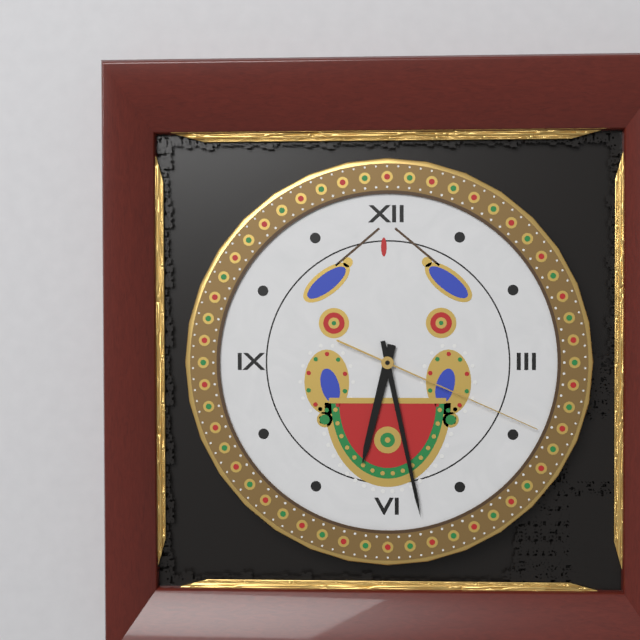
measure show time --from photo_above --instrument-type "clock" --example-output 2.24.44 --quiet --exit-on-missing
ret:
6.28.19
